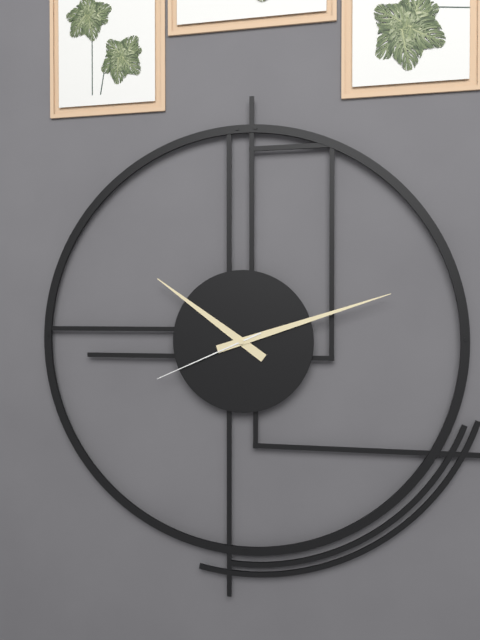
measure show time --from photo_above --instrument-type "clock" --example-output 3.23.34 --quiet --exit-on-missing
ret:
10.12.41
